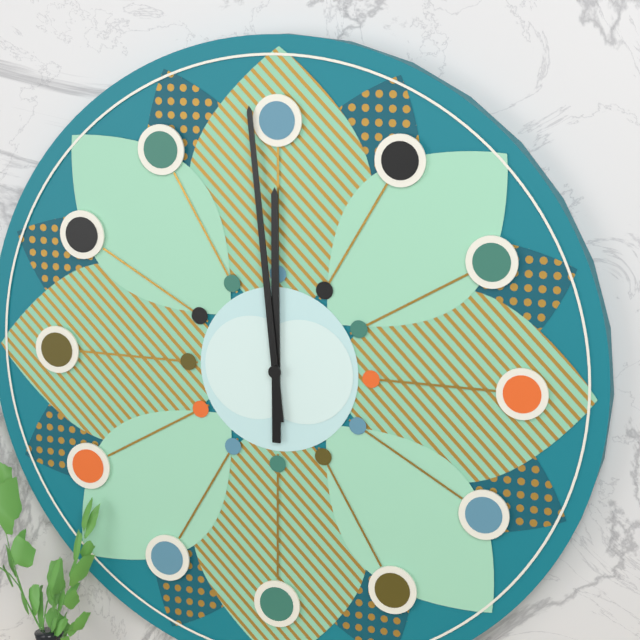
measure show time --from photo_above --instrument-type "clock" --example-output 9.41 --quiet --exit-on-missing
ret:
11.59
